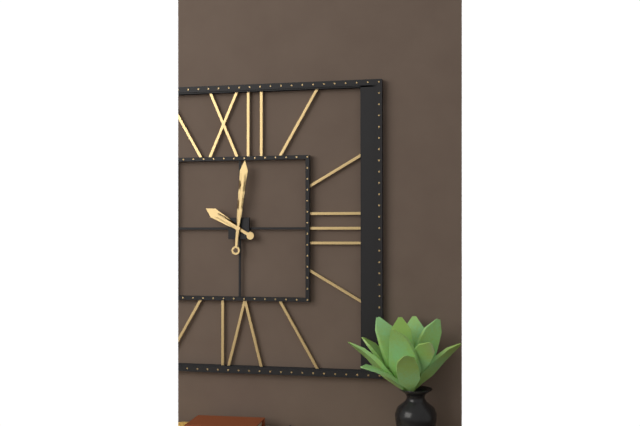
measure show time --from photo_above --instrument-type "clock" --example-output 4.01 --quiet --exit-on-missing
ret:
10.01
